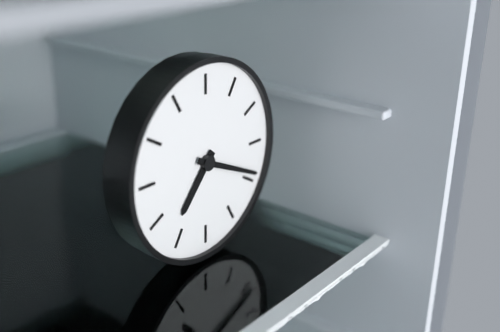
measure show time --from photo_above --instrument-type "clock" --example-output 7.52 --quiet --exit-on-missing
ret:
7.19
